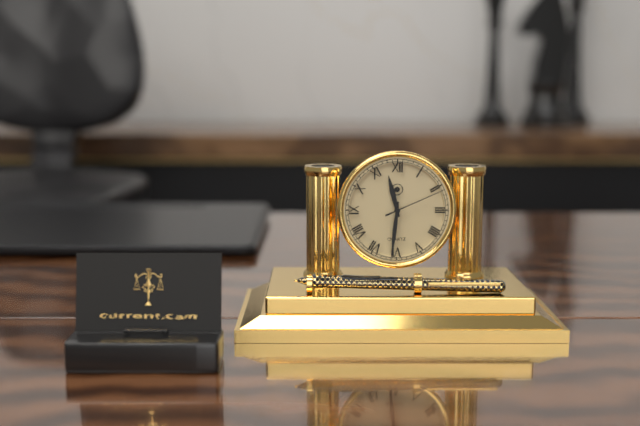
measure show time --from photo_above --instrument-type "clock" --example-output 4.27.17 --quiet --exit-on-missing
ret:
11.31.11
